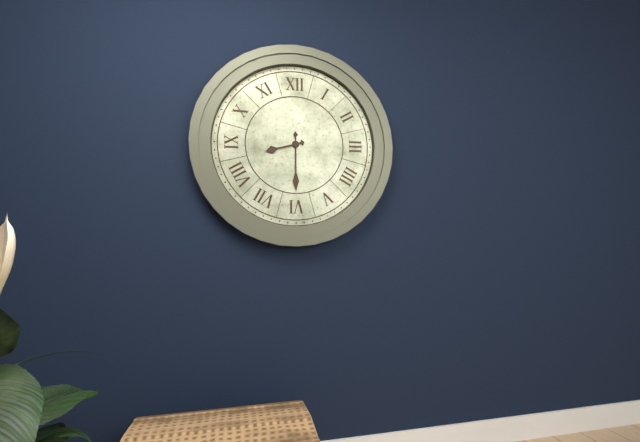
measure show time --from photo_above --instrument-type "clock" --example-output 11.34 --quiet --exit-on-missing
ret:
8.30
